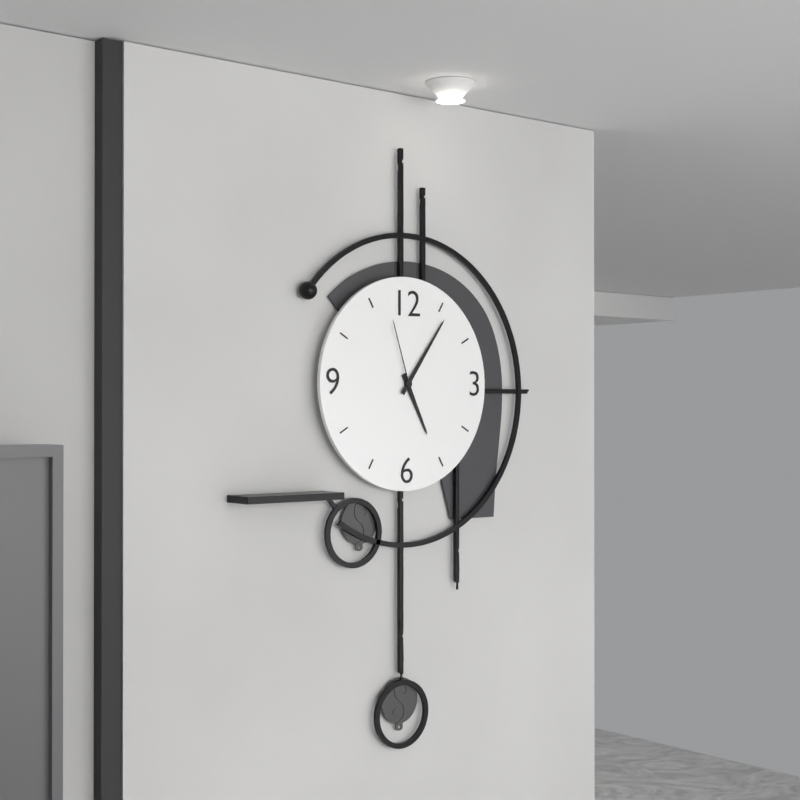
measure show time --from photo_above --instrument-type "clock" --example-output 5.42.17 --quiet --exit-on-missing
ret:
5.06.57
